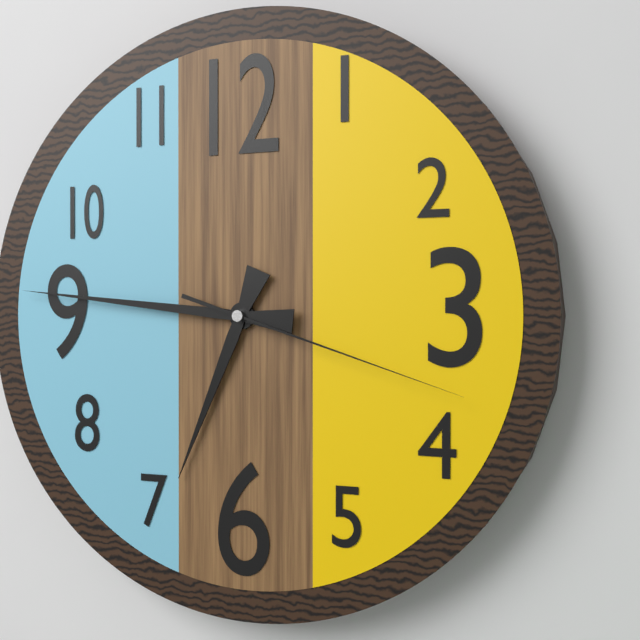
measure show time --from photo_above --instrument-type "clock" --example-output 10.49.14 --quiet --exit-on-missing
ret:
6.46.18
